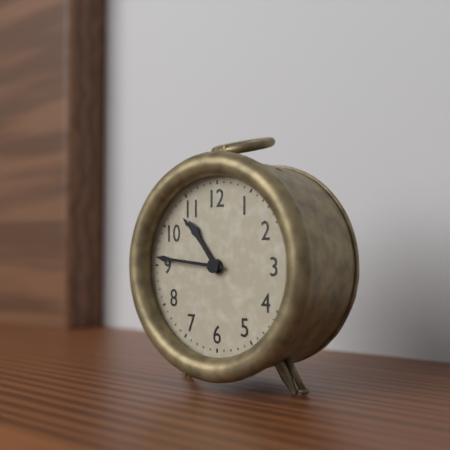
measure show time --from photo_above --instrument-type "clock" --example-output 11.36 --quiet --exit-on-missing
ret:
10.46
